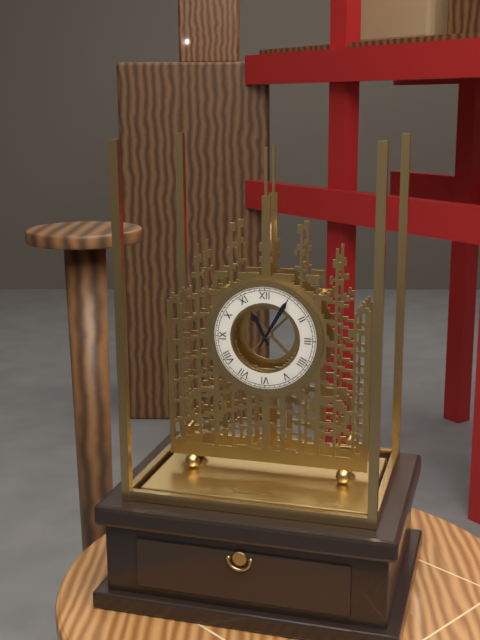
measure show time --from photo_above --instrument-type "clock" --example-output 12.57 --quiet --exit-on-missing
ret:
11.05
